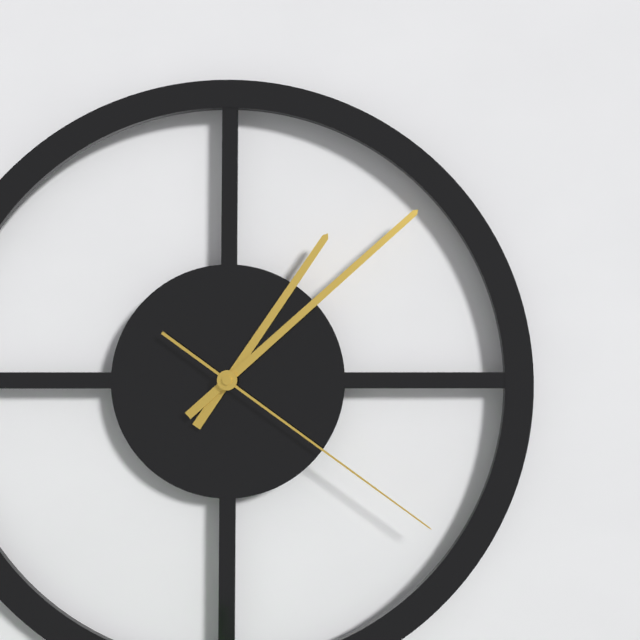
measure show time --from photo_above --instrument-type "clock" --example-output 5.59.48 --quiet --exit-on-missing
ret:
1.08.21
